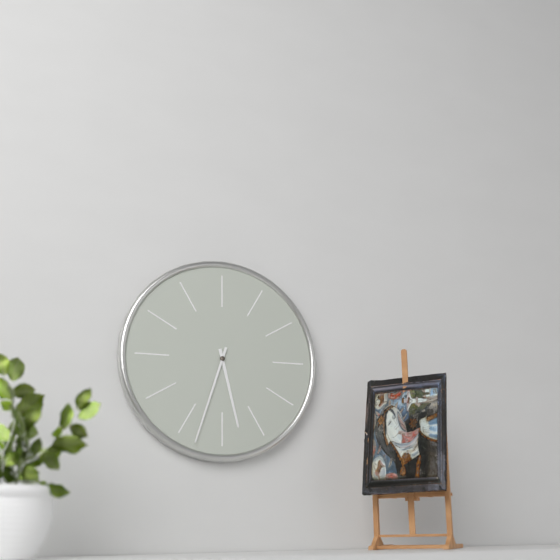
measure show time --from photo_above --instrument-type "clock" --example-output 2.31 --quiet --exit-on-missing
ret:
5.33
